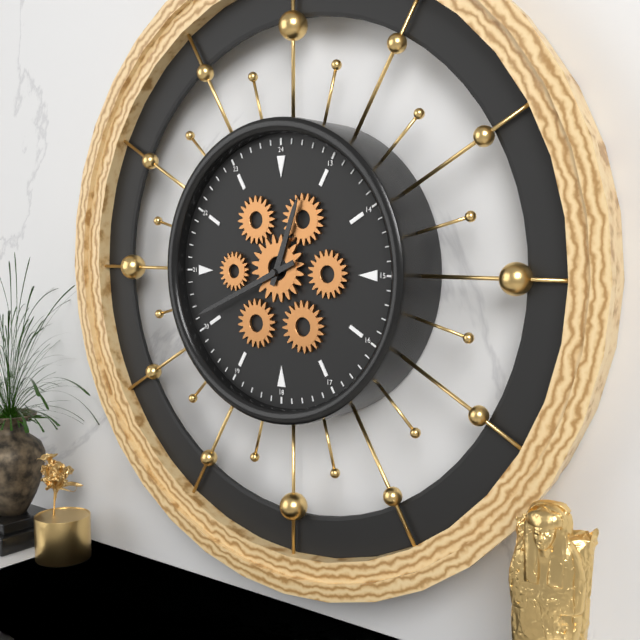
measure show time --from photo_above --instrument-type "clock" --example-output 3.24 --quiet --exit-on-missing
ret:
12.41
